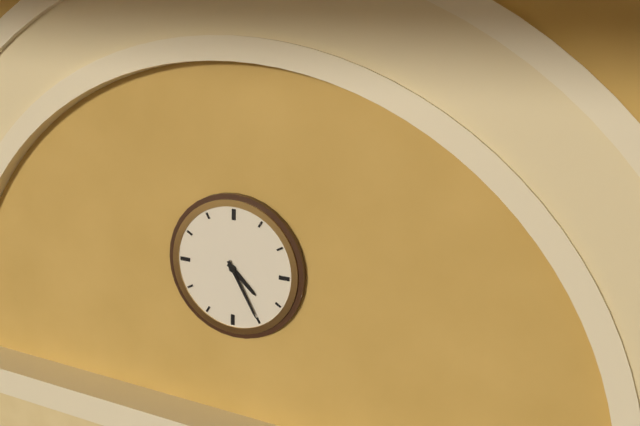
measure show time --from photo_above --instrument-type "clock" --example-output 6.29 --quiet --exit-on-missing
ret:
4.25
